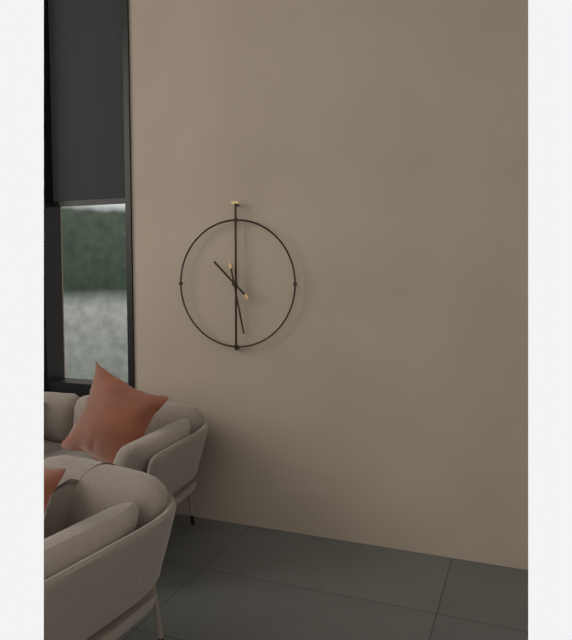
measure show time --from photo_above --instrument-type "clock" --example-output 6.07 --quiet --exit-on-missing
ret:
10.28
